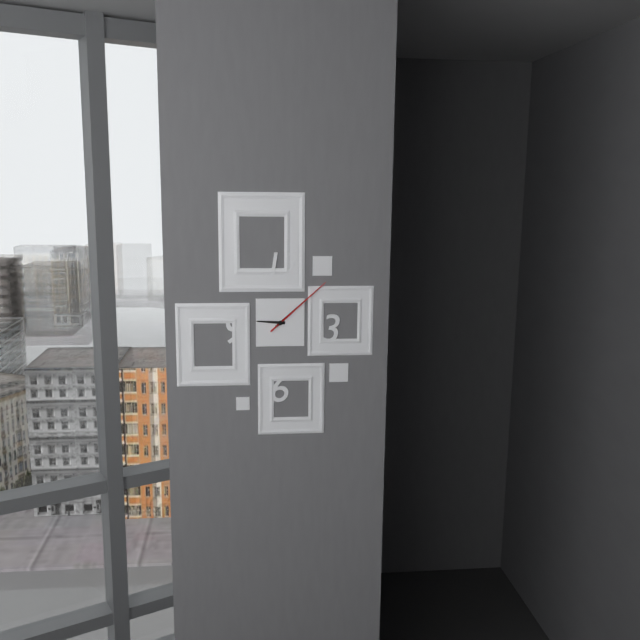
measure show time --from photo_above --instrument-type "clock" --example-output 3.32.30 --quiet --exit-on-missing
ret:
9.08.08
